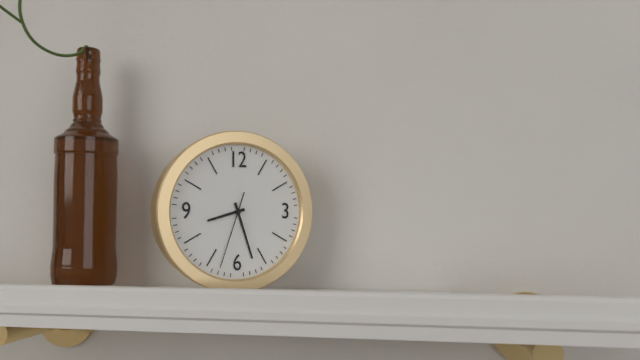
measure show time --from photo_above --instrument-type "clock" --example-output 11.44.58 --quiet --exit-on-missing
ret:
8.27.33
